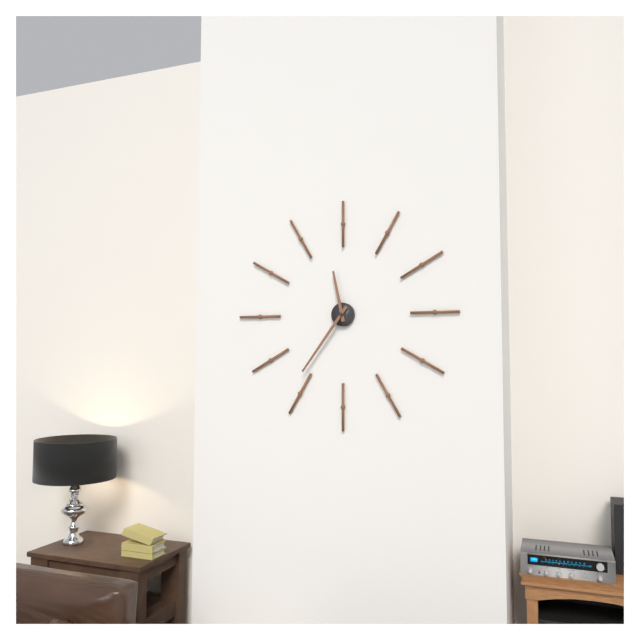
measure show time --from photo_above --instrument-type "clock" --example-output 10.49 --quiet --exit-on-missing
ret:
11.36
